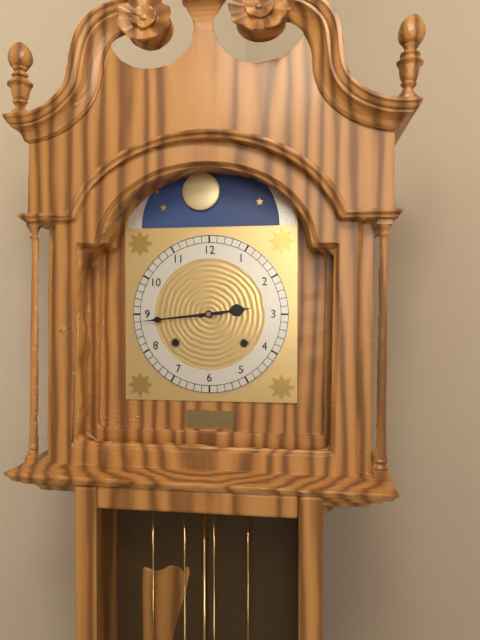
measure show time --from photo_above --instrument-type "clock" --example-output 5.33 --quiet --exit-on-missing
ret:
2.44
